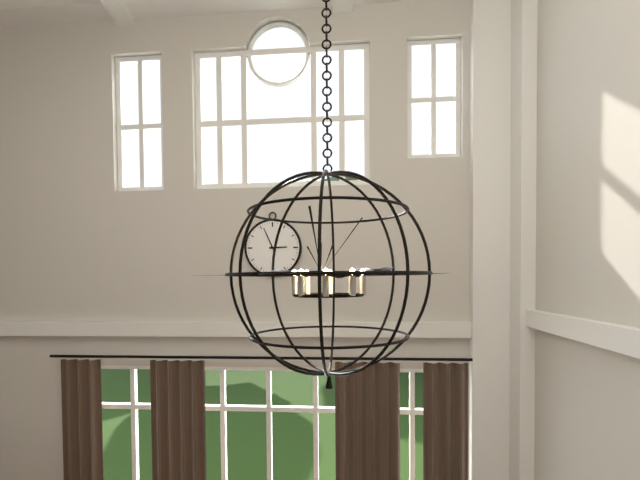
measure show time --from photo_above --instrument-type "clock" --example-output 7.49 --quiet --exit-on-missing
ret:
2.56
